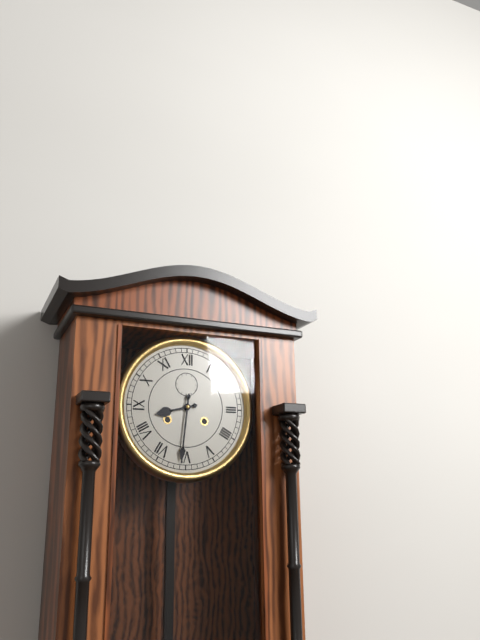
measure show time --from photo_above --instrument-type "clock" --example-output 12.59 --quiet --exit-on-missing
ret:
8.31
